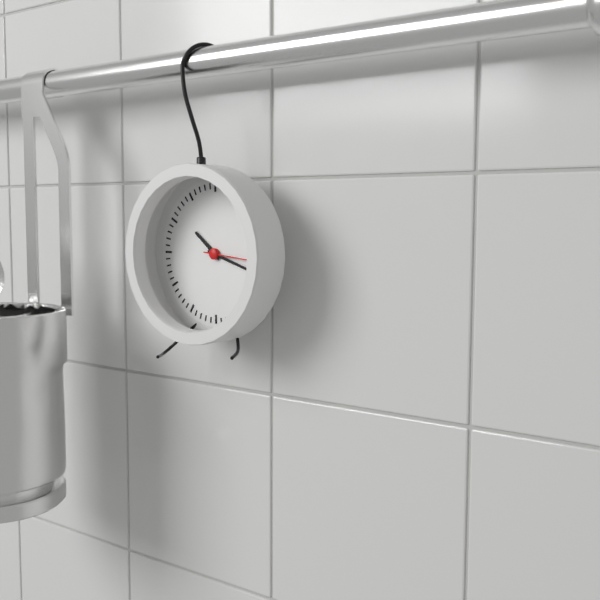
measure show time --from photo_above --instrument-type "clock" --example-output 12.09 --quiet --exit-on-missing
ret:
10.18
